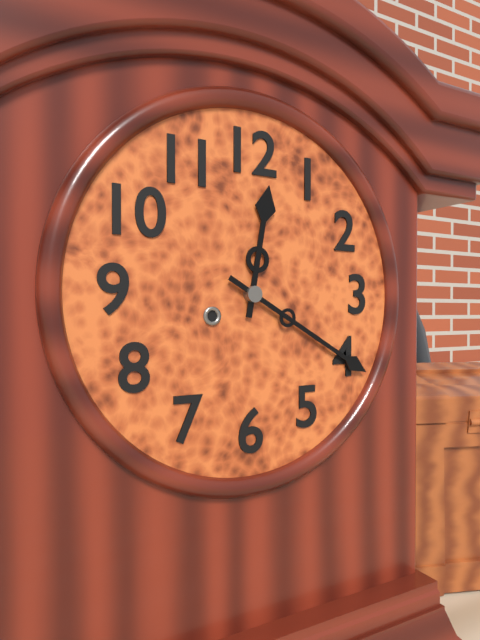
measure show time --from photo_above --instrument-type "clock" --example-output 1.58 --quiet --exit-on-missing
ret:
12.20
